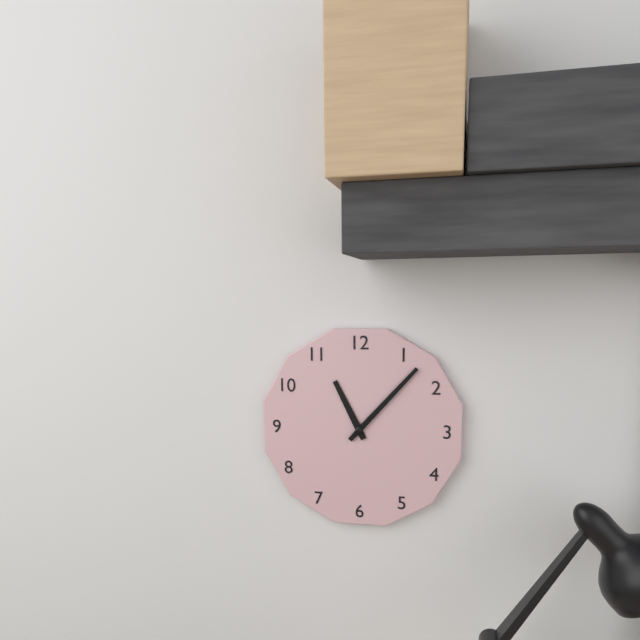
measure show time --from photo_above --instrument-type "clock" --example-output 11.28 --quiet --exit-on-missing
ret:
11.07
